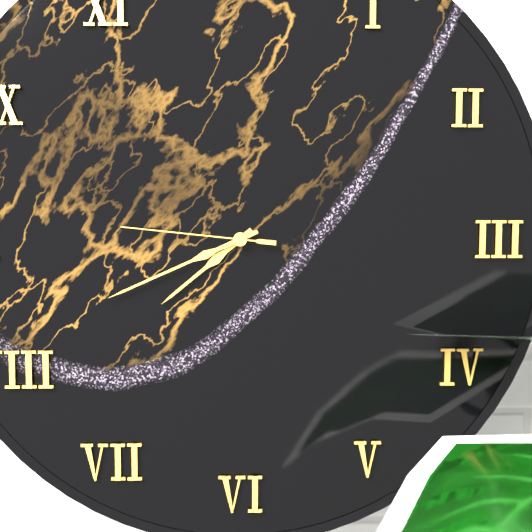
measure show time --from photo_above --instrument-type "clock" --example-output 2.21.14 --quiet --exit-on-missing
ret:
7.41.46
